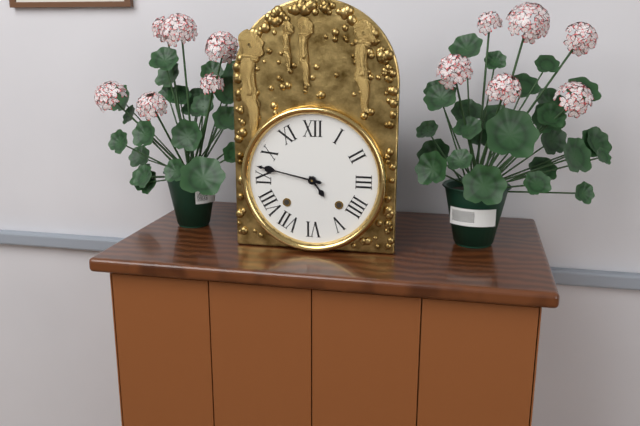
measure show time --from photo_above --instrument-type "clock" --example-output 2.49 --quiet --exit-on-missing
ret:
4.47
